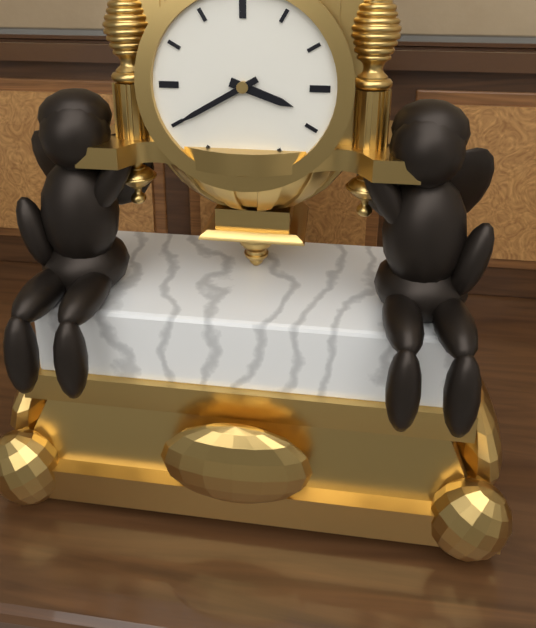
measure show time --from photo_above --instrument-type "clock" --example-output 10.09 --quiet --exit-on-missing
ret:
3.40
